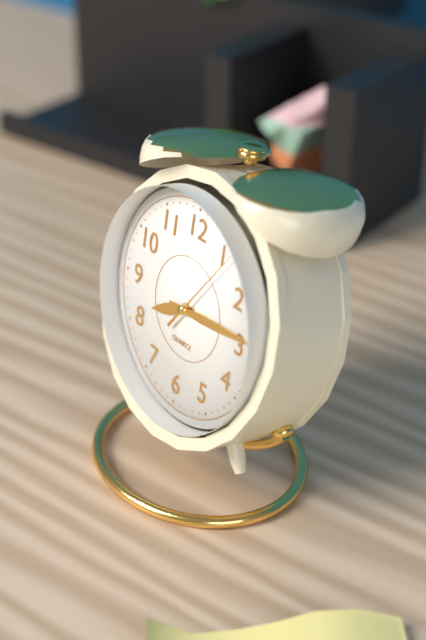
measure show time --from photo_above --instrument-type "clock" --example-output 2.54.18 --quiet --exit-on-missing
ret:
8.14.06
